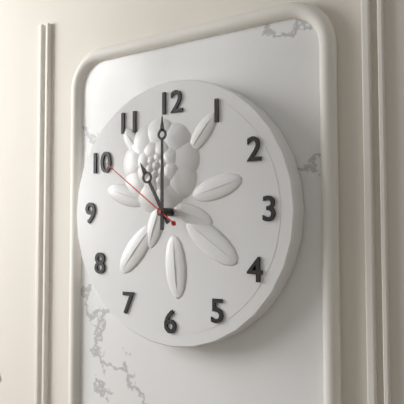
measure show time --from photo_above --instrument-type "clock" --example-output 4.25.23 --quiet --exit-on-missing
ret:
11.00.51
